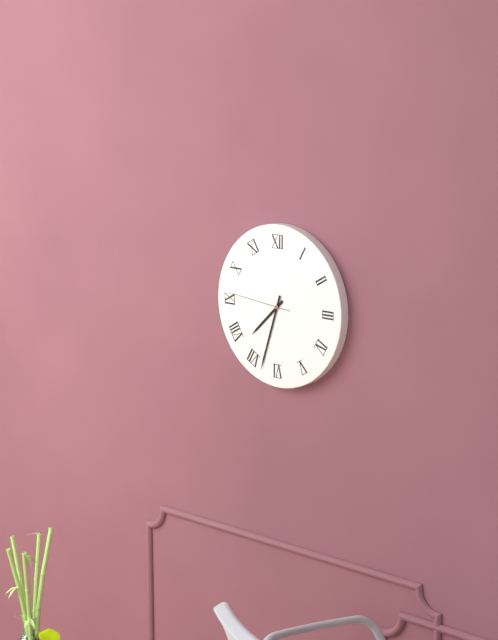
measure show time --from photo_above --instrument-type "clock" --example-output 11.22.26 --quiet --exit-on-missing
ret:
7.33.46
